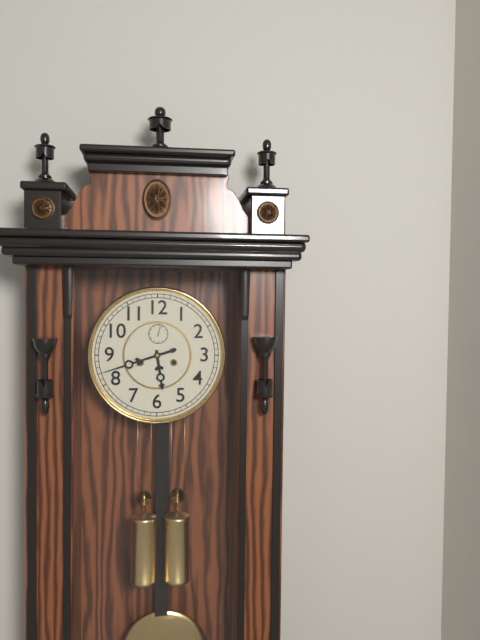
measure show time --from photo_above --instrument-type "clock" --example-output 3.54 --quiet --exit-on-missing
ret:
5.42
